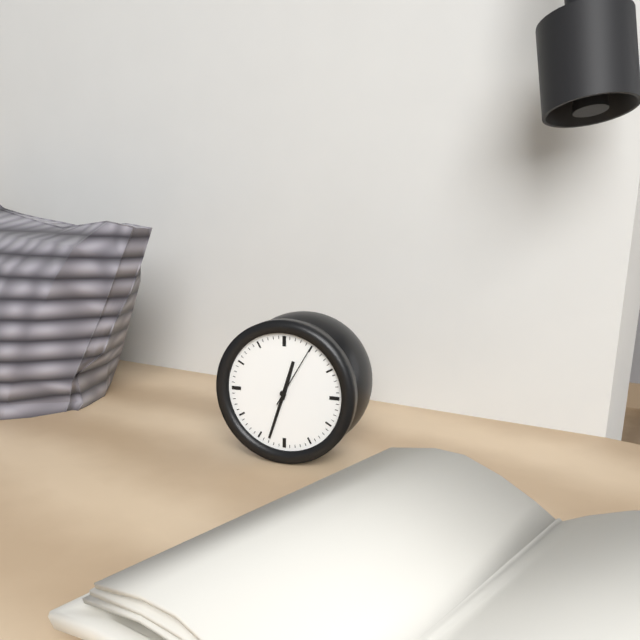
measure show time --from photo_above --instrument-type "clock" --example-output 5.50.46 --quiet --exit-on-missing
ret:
12.33.05
